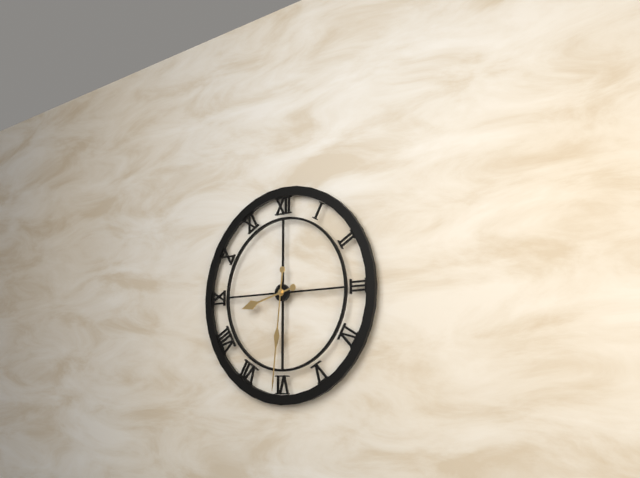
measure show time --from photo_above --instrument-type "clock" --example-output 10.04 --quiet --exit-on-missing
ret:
8.31
